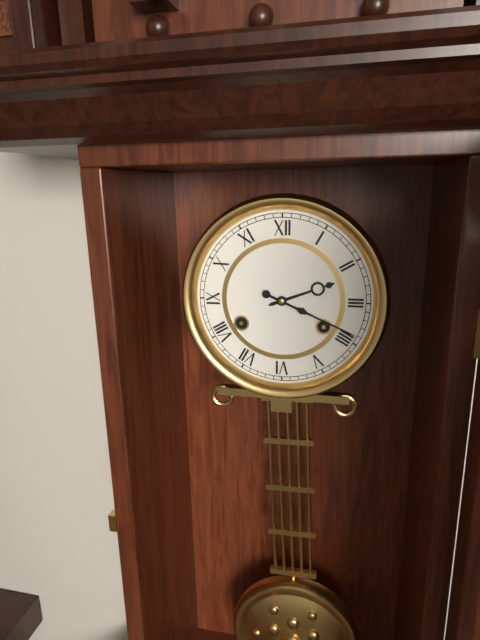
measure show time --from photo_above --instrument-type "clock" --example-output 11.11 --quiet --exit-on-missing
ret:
2.19
